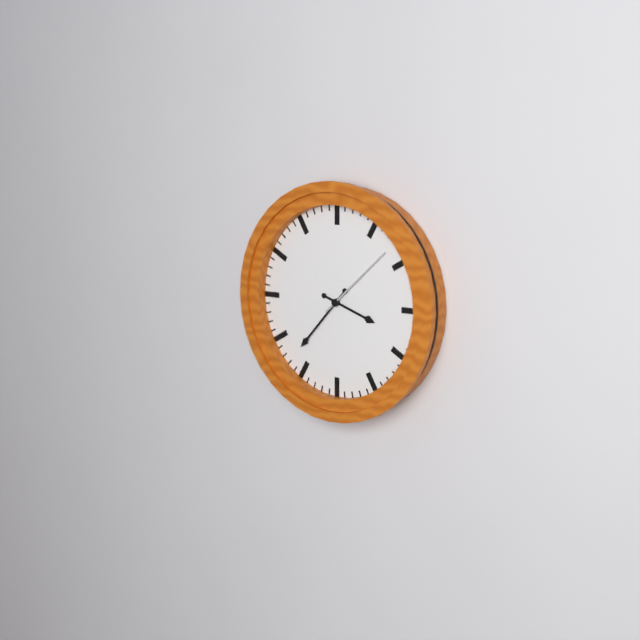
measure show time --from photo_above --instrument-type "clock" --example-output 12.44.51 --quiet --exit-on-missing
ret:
3.37.08
